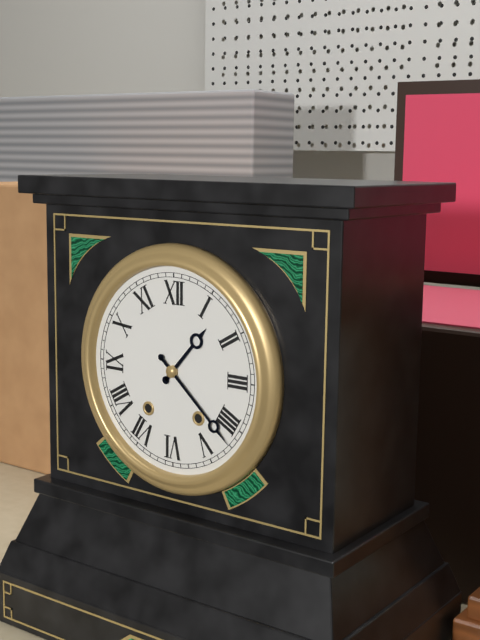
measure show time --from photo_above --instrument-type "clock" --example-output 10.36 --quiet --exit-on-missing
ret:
1.22
